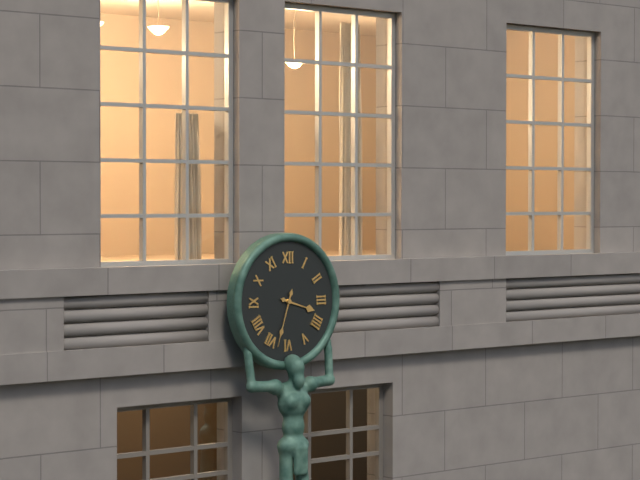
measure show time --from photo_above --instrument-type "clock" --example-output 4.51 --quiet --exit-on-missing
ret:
3.33
